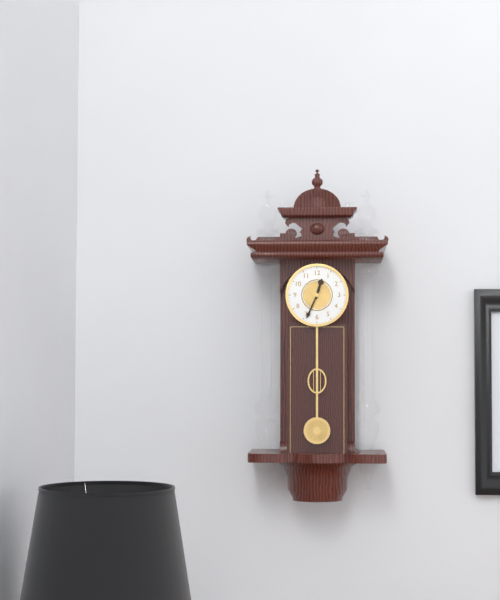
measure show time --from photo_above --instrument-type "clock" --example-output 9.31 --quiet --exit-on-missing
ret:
12.34
